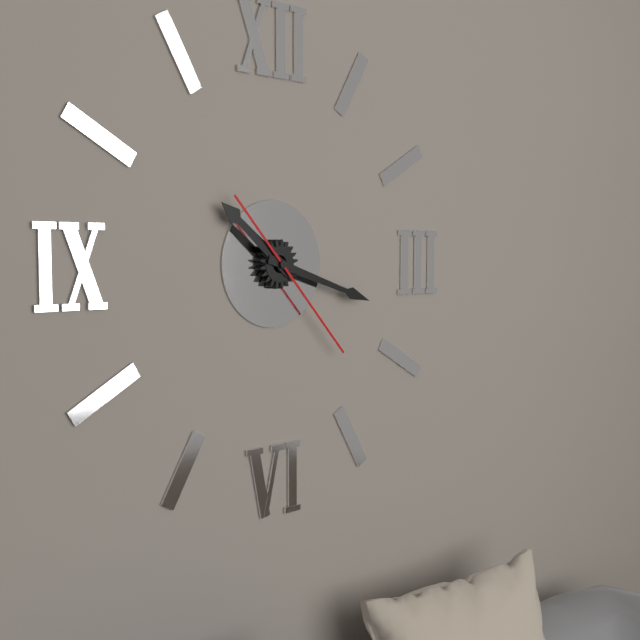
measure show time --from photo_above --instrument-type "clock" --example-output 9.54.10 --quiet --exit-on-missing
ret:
10.18.23
